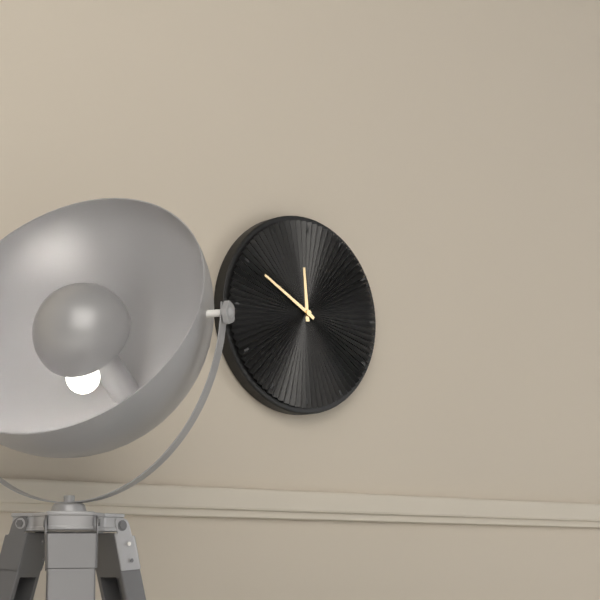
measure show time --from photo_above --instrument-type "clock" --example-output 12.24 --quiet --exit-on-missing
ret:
11.50
